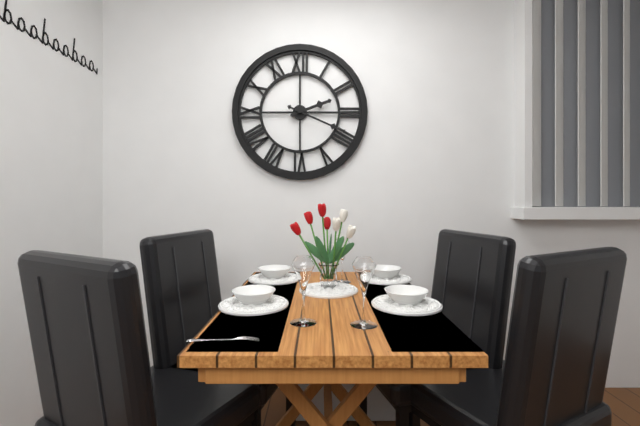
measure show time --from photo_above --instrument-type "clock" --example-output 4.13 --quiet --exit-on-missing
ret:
2.19
